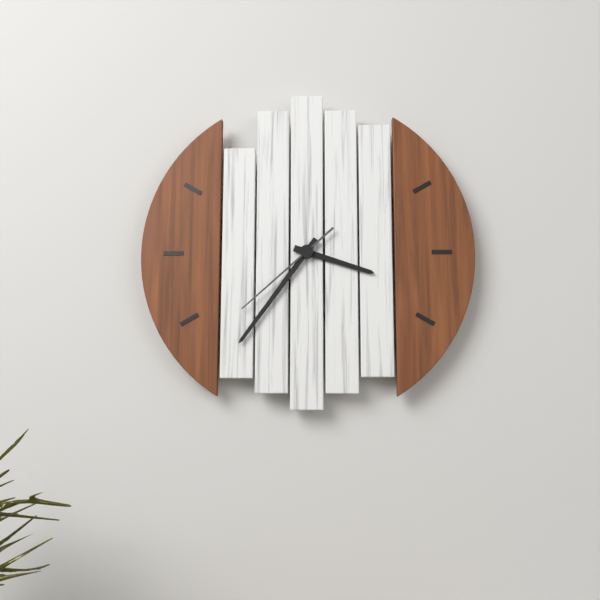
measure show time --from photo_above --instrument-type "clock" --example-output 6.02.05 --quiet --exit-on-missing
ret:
3.36.38
